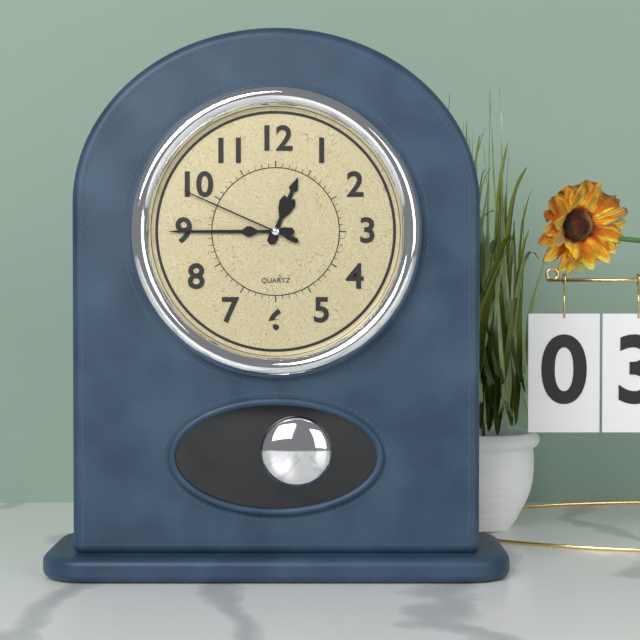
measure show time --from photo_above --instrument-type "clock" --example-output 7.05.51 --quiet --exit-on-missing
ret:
12.45.49
